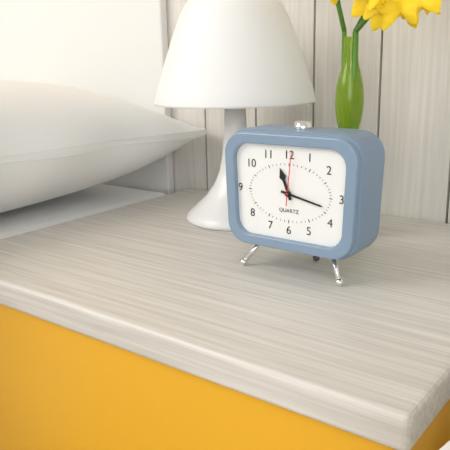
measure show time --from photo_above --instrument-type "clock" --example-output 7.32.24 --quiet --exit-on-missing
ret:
11.17.01
